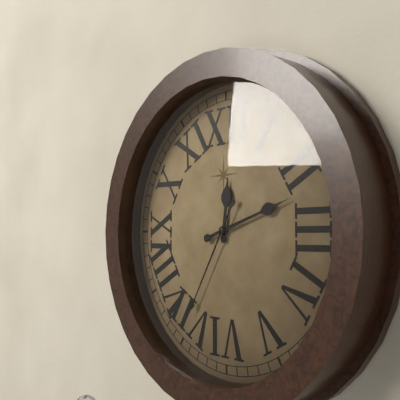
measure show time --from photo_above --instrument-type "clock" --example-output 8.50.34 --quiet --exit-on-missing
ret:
12.12.35
